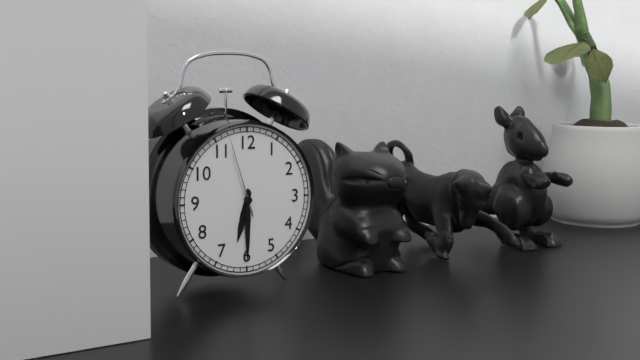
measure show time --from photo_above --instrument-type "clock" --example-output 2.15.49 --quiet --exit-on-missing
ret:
6.30.57
